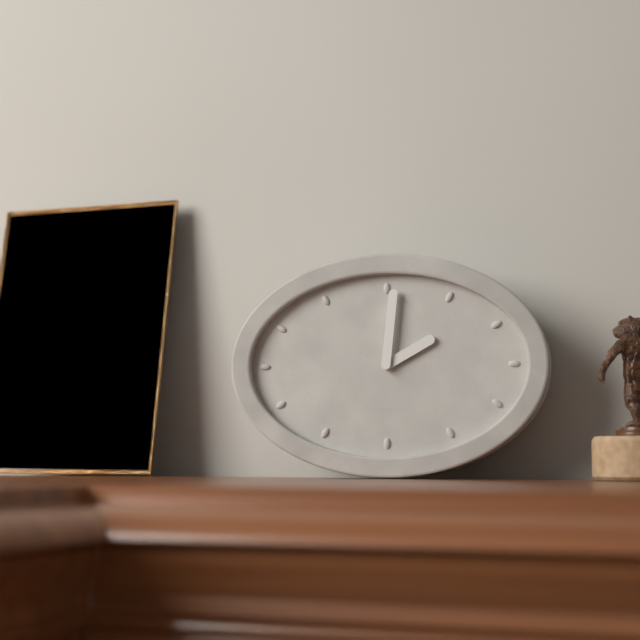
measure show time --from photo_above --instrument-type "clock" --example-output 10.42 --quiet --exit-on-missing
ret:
2.01
